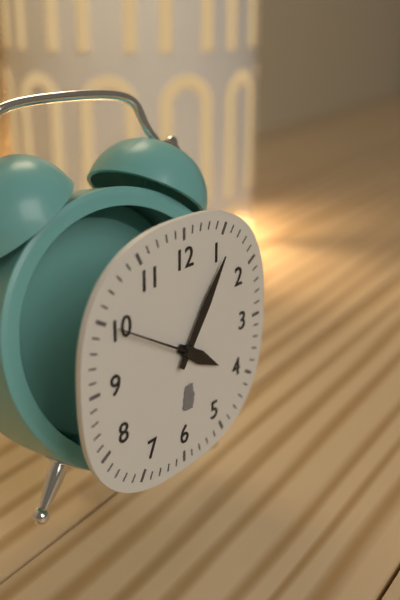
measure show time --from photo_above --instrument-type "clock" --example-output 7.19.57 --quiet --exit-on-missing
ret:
4.06.50
